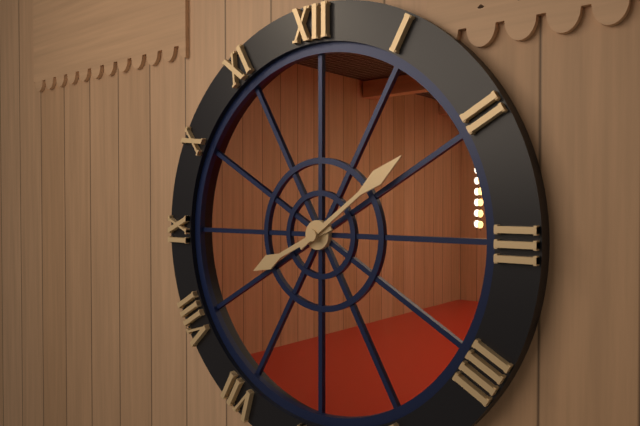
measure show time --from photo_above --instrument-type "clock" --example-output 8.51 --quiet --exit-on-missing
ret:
8.09
